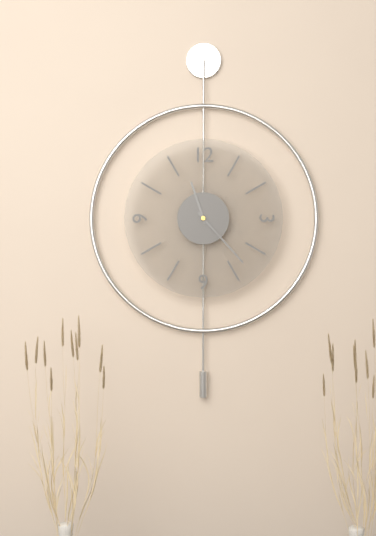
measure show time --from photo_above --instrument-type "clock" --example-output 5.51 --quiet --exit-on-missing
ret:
11.23
